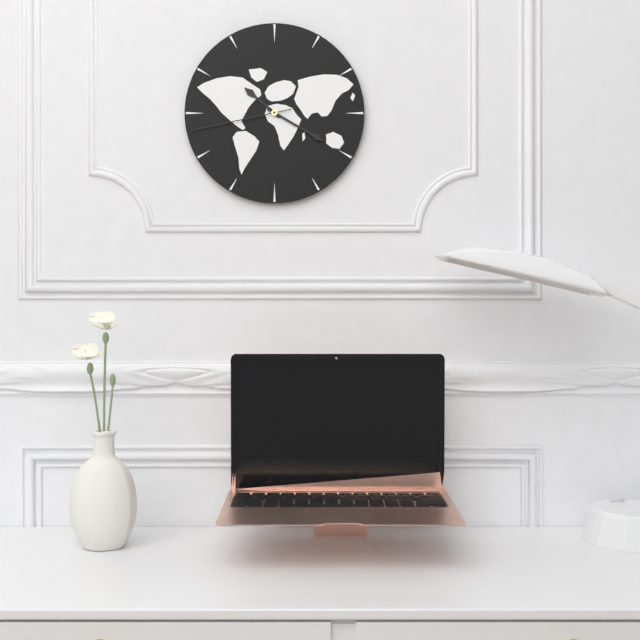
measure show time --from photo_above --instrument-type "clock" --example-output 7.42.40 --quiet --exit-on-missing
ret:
10.20.43
